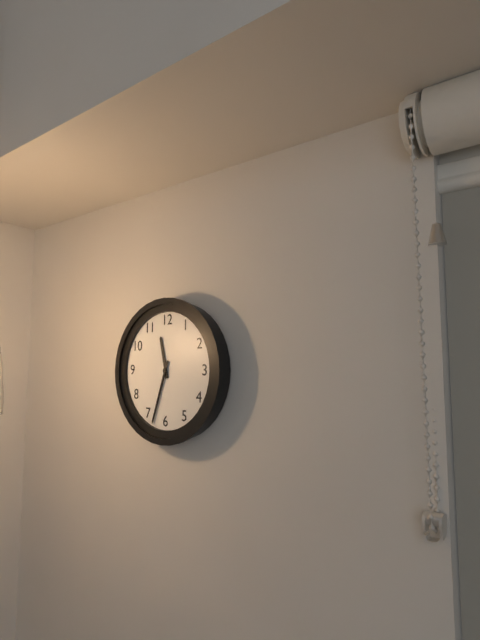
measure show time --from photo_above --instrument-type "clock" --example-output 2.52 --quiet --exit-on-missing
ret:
11.33
